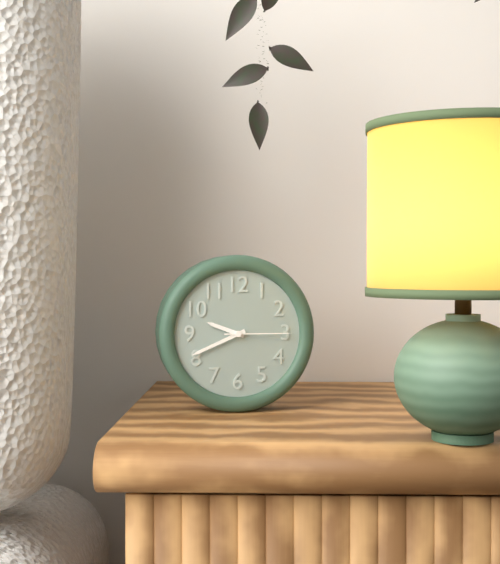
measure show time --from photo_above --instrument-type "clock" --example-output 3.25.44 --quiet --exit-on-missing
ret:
9.41.15
